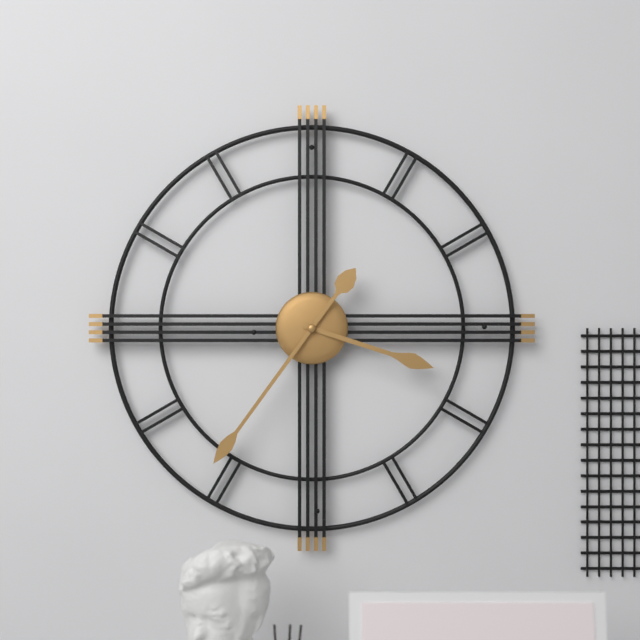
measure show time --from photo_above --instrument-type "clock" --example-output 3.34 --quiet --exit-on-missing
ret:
3.36
